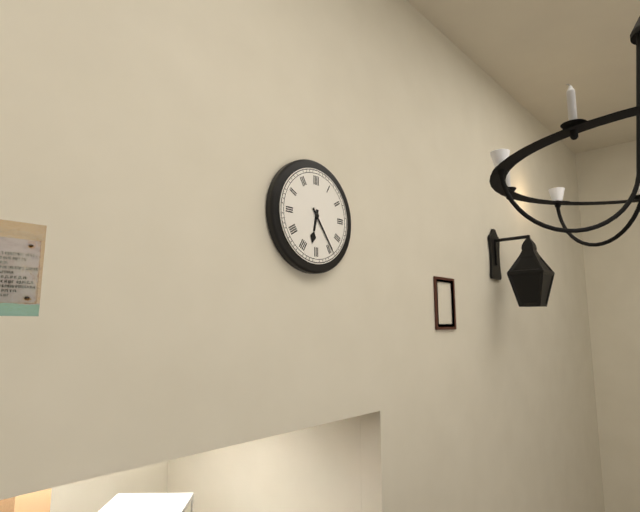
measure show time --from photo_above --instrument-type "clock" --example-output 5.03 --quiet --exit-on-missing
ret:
6.24
